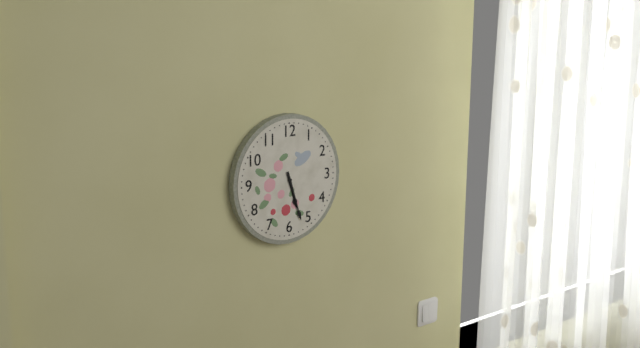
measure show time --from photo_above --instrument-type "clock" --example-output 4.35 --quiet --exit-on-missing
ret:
5.27
